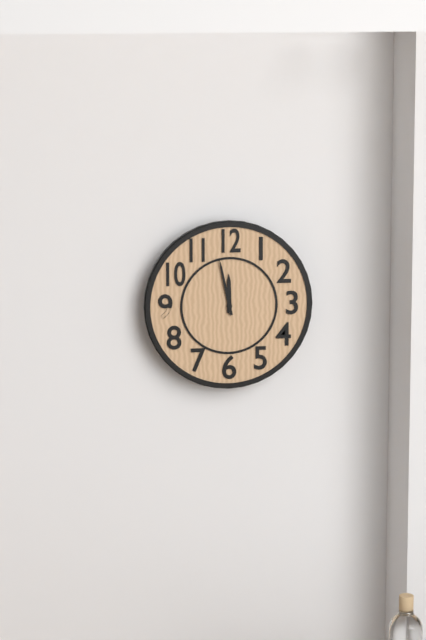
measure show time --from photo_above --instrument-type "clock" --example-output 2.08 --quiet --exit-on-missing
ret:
11.58
